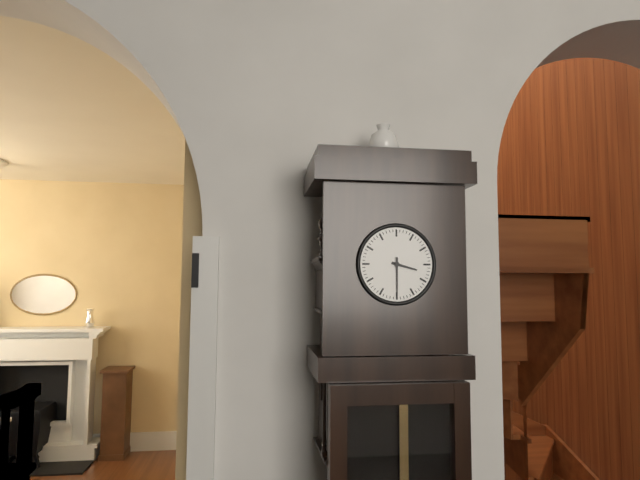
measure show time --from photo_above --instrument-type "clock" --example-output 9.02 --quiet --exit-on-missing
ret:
3.30
